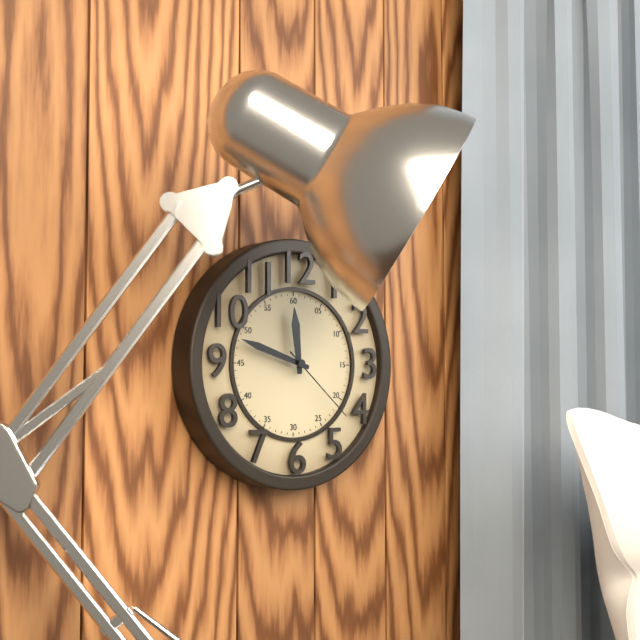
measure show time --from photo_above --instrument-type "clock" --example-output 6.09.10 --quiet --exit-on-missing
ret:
11.48.22
